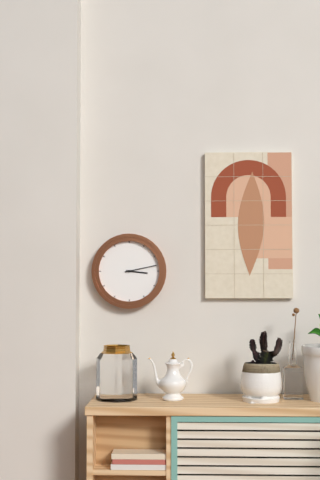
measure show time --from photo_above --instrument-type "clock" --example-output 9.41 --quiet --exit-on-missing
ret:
3.13
